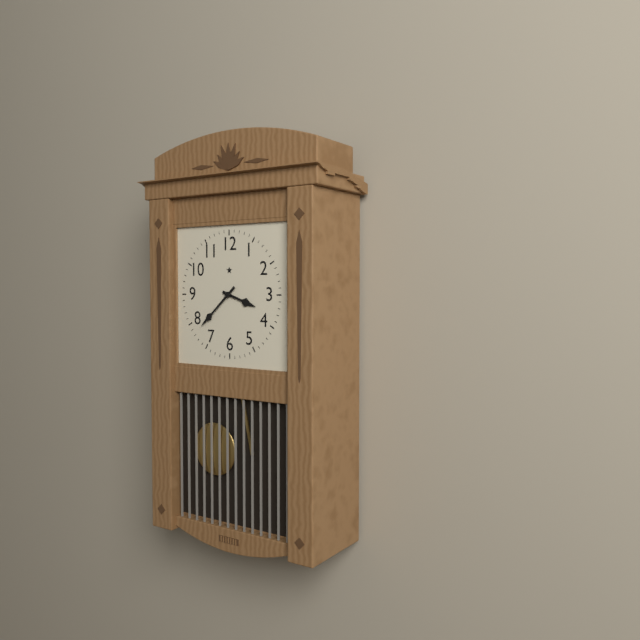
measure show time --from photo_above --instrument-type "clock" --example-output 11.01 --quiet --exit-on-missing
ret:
3.38
